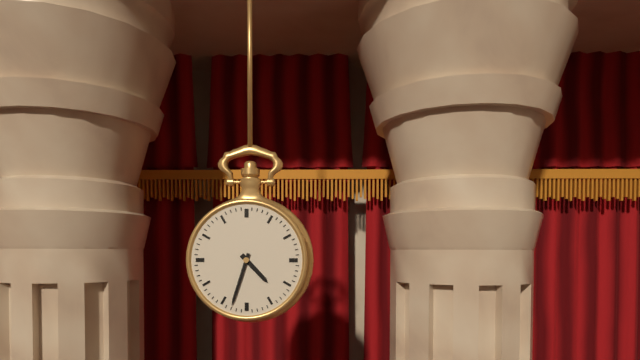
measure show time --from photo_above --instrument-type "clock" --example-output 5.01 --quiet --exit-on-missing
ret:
4.33
